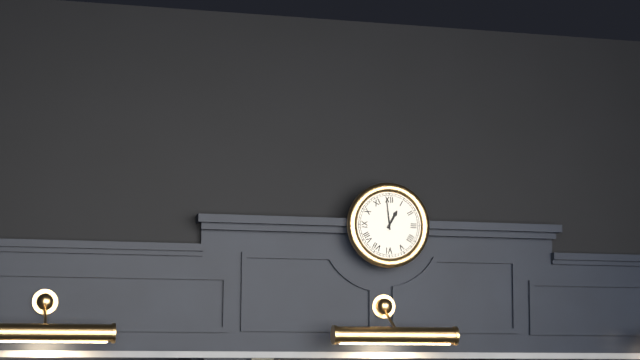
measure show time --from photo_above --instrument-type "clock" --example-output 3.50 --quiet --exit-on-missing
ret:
12.59
